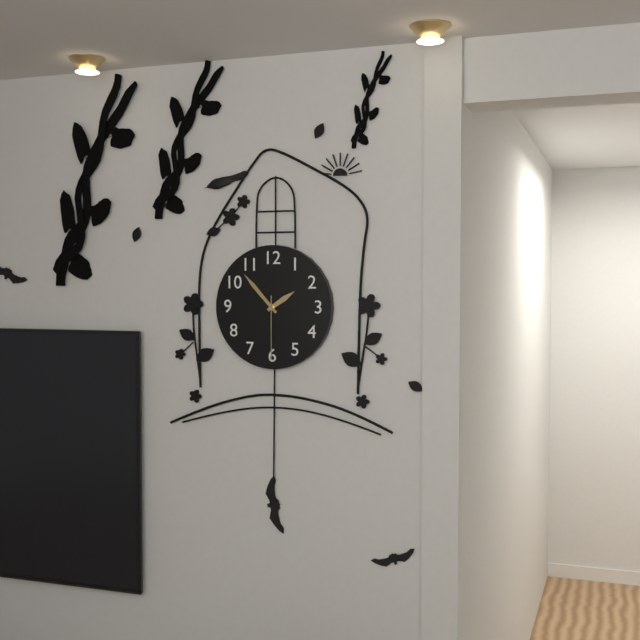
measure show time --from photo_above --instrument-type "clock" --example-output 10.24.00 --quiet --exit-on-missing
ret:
1.53.30
